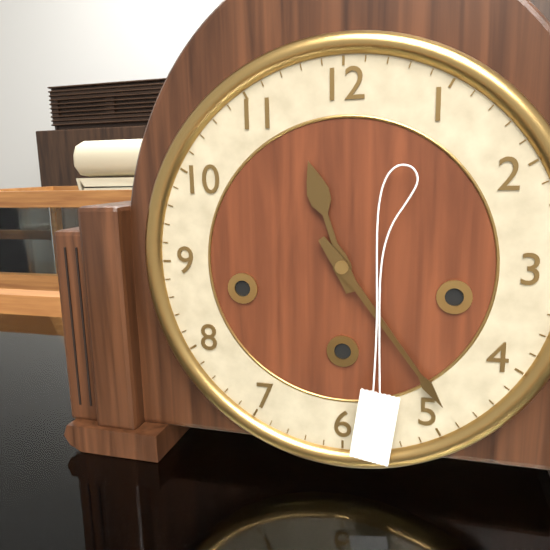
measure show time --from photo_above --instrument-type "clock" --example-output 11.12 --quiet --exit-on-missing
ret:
11.24
